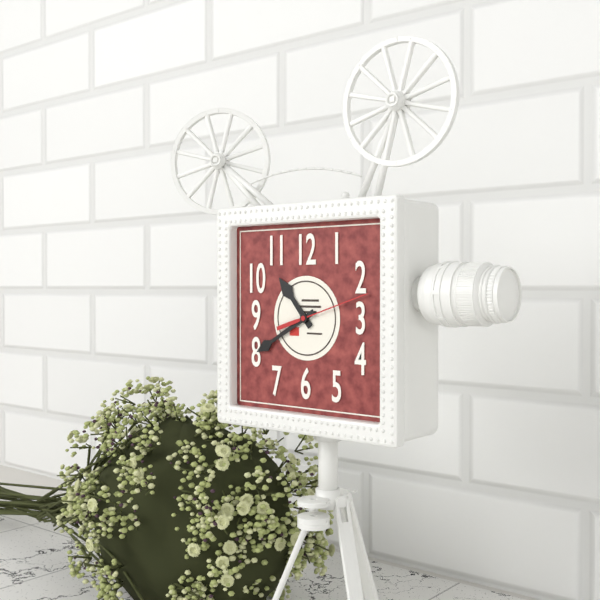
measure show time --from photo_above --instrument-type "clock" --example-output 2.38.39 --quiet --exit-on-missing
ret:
10.40.12
